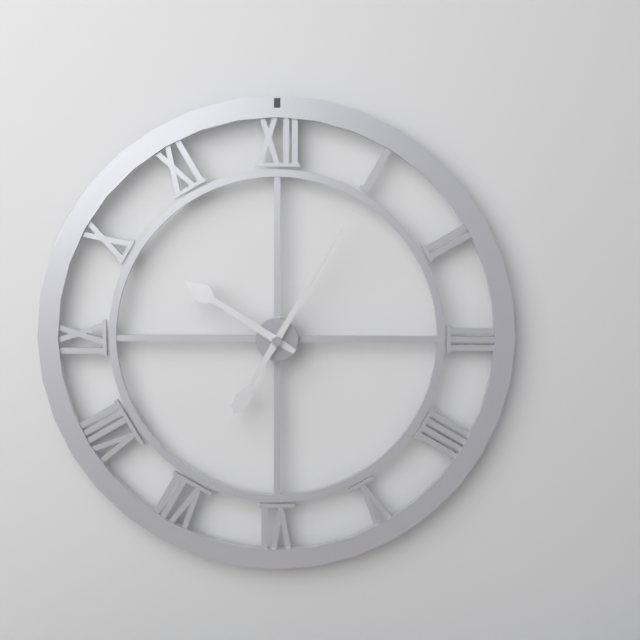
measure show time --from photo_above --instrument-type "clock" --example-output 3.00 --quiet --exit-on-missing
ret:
10.05
